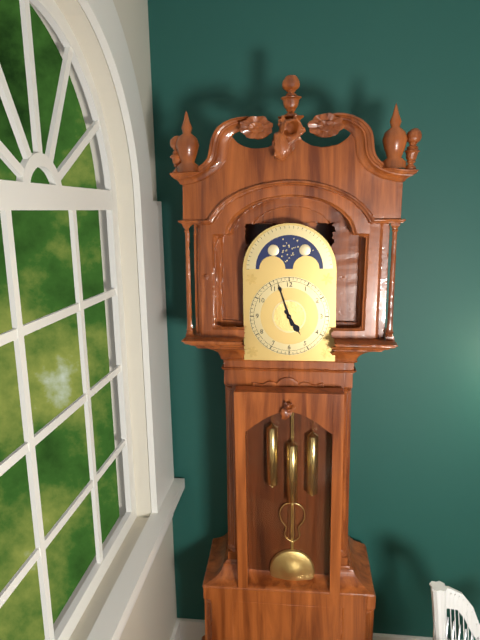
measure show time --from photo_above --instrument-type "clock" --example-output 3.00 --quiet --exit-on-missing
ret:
4.57
